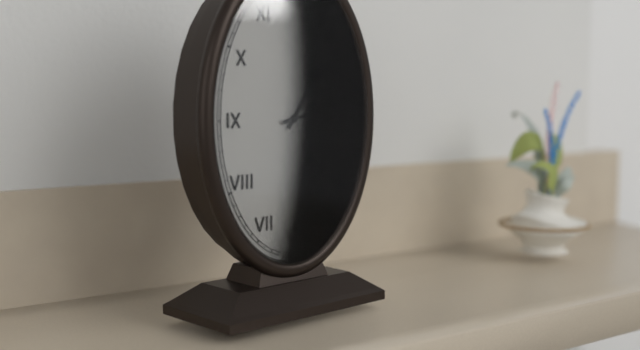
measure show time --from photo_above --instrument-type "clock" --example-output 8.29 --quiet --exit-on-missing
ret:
1.13
